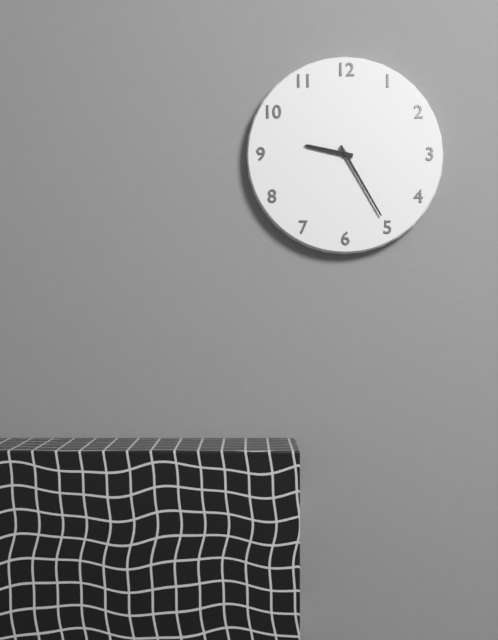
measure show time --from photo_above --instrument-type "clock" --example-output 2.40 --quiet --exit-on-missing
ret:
9.25
